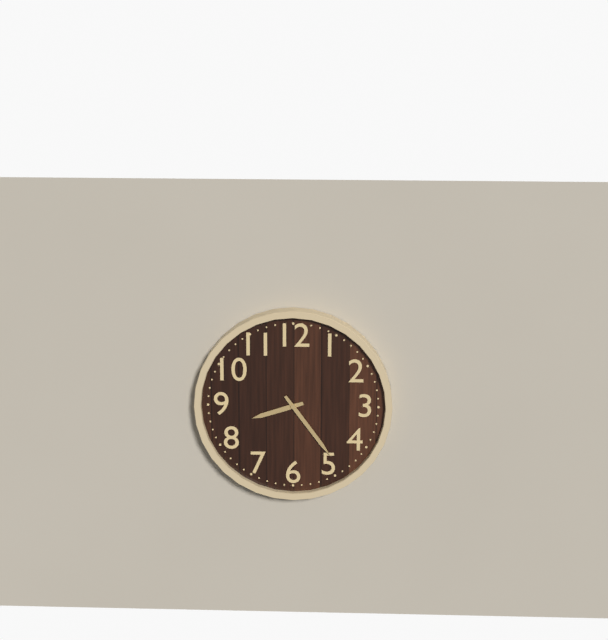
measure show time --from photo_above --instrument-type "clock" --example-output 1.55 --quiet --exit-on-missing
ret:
8.24
